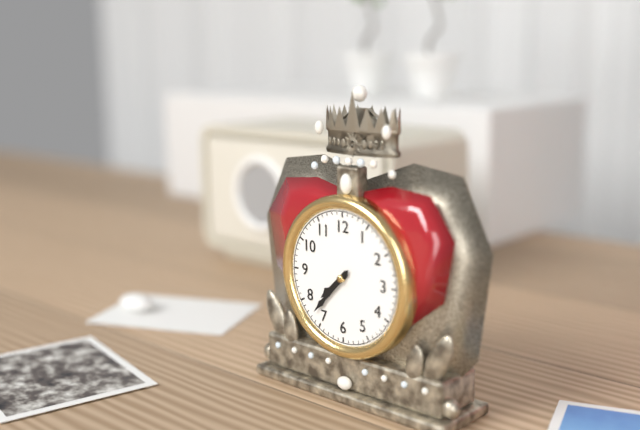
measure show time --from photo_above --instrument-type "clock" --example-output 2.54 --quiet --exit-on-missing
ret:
7.37
